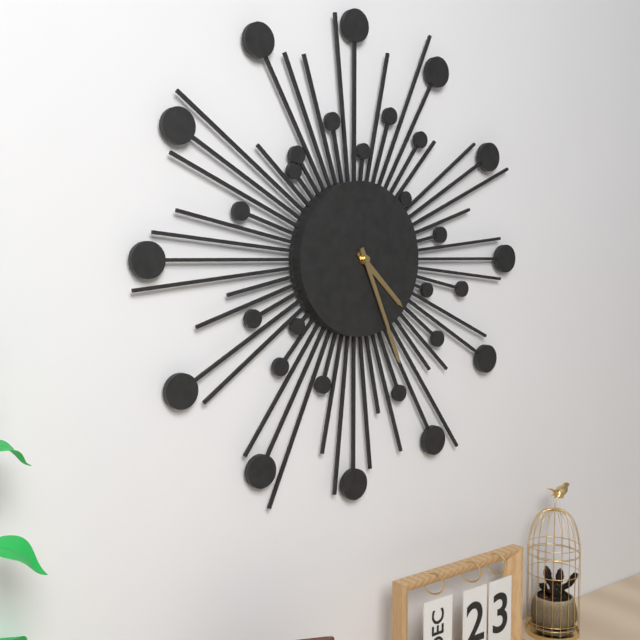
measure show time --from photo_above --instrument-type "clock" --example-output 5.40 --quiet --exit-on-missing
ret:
4.26
